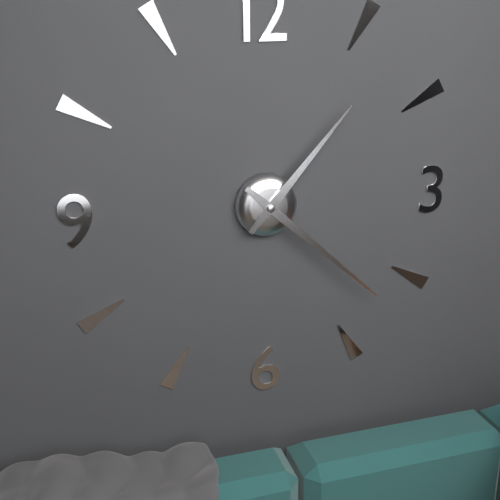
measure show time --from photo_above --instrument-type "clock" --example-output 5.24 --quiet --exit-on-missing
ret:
1.22
